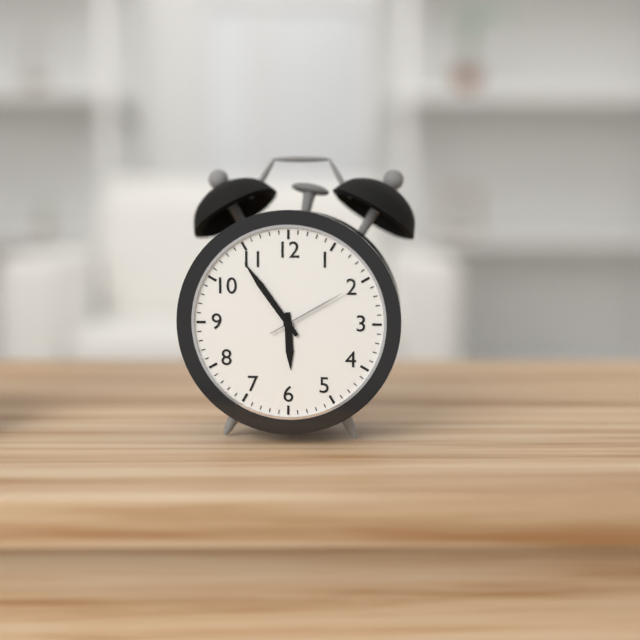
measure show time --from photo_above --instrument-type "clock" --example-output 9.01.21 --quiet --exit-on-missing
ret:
5.54.10
